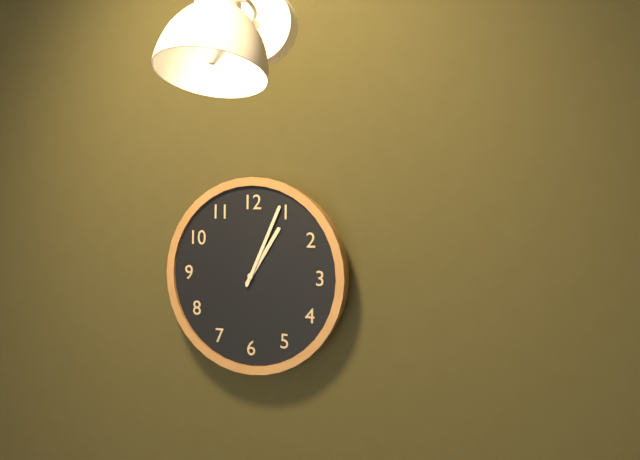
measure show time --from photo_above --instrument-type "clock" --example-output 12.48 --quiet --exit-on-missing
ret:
1.04
